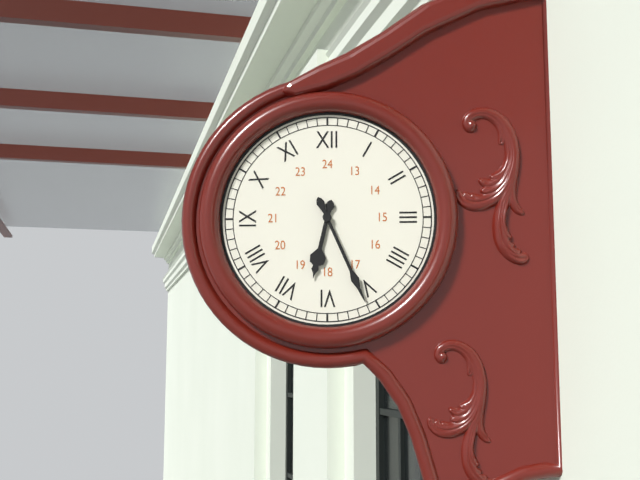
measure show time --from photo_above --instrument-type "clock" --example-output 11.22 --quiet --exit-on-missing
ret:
6.26
